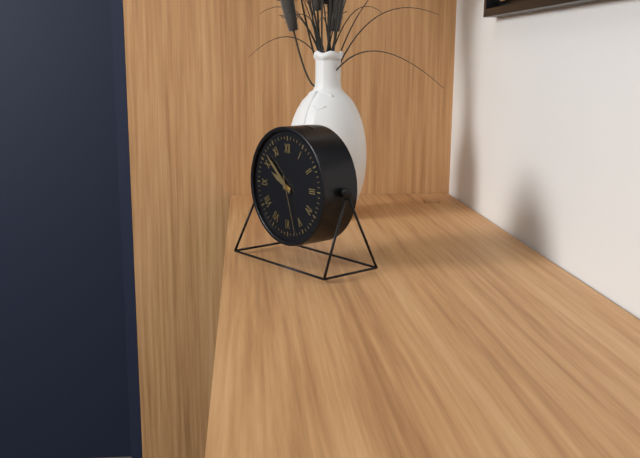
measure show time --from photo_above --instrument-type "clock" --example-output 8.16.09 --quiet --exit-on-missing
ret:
9.52.27
